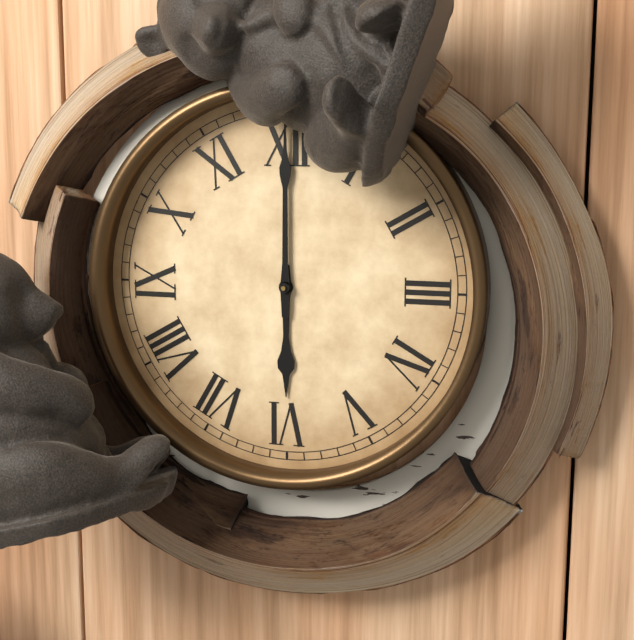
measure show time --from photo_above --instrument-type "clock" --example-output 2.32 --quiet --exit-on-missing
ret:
6.00
